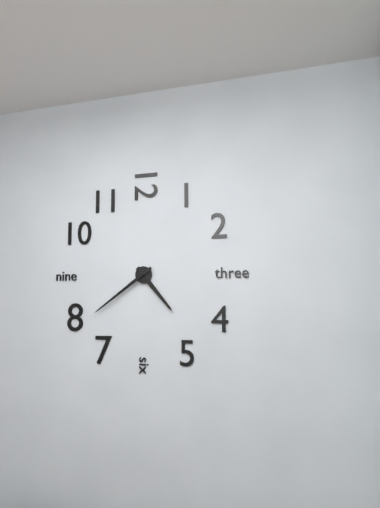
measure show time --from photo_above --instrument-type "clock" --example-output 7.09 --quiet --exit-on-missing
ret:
4.39
